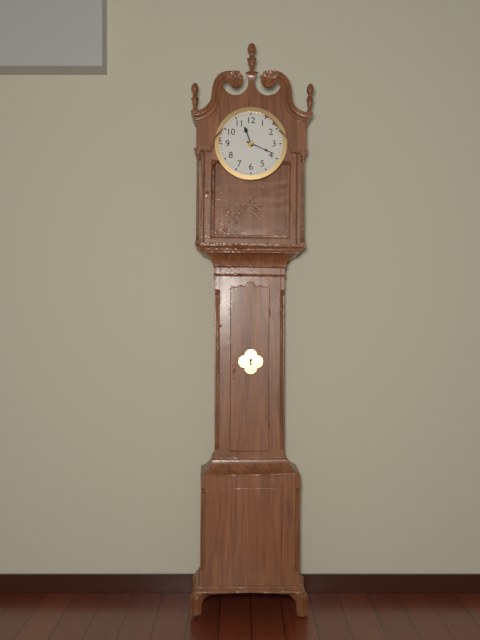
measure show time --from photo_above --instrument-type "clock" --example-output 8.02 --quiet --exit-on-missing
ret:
11.19
